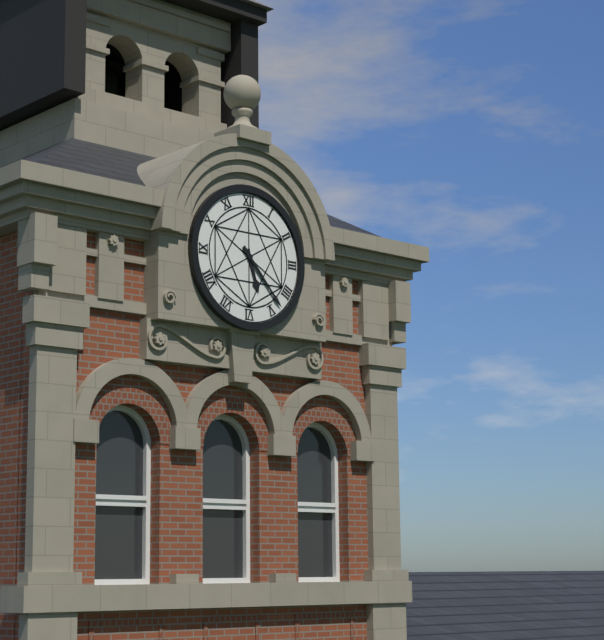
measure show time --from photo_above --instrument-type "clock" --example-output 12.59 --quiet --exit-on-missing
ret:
5.23
